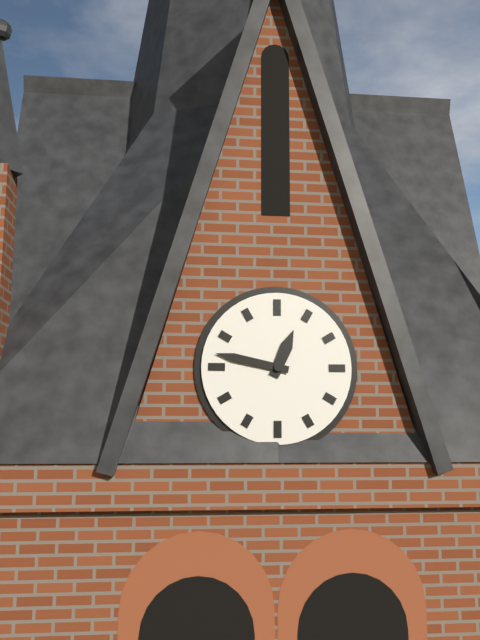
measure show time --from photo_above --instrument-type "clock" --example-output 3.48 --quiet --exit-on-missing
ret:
12.47
